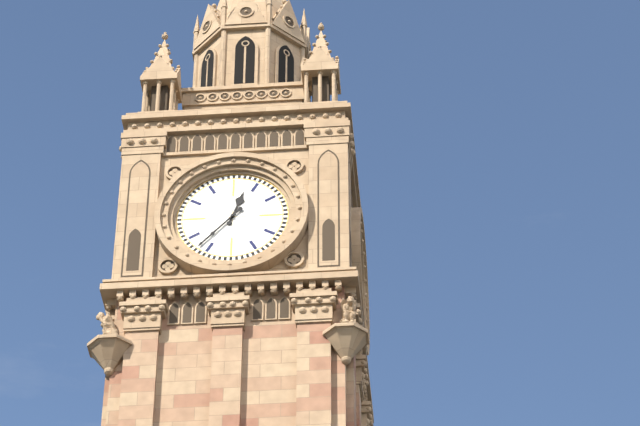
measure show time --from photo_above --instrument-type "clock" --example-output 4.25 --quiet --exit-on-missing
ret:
12.37
